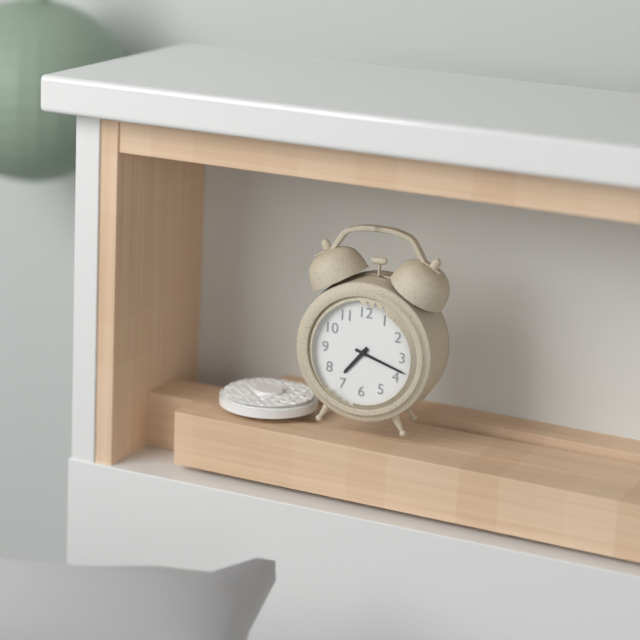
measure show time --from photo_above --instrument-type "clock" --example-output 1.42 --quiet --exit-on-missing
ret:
7.18
